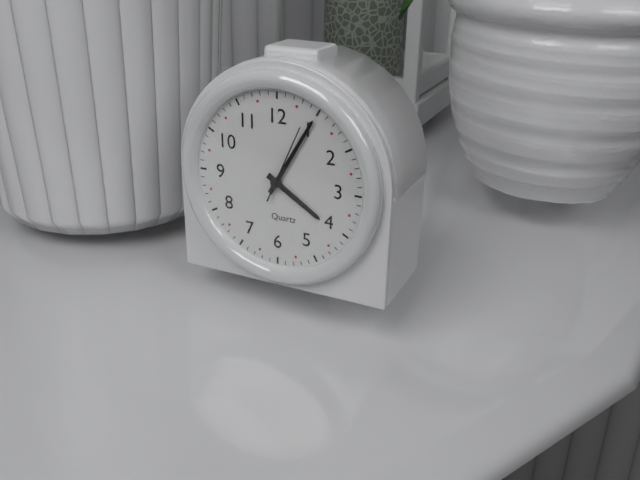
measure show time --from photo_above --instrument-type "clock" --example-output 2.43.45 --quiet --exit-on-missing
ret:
4.05.04
